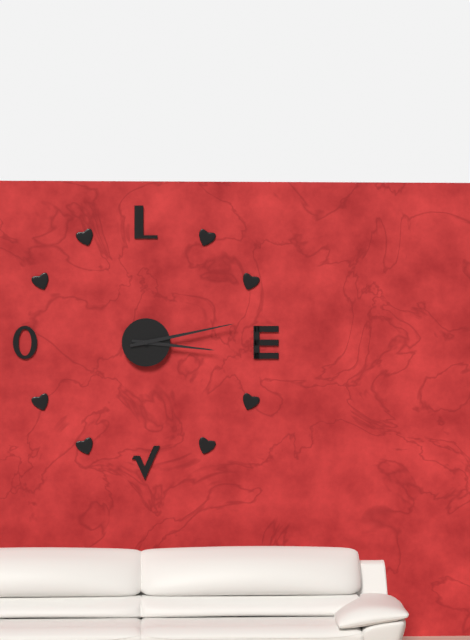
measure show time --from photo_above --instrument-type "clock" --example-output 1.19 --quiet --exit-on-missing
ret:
3.13
